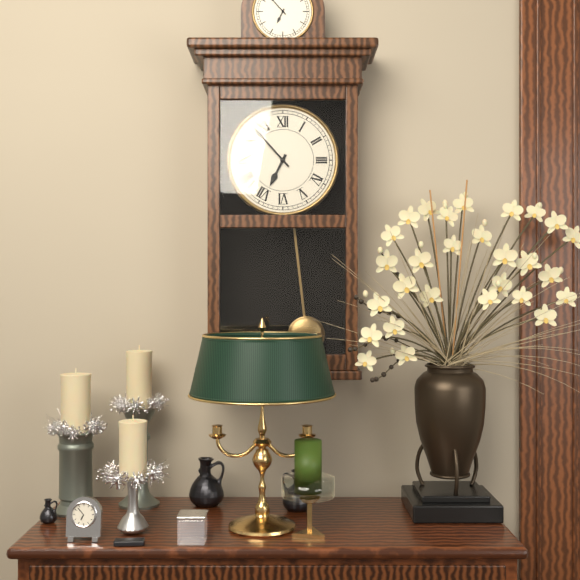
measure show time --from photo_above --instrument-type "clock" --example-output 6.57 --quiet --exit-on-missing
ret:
6.53
